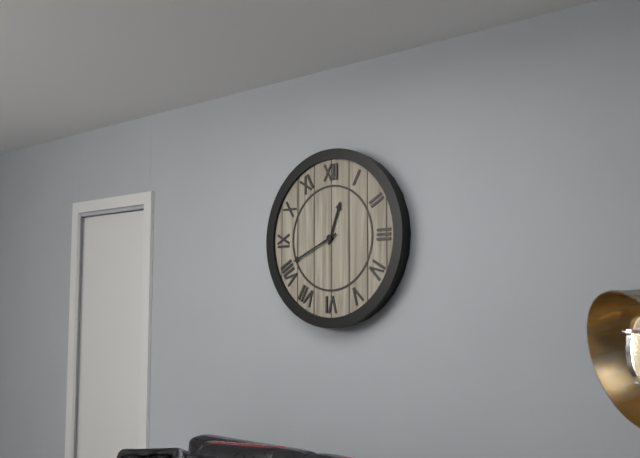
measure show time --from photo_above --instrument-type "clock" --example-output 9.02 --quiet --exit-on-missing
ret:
12.41
